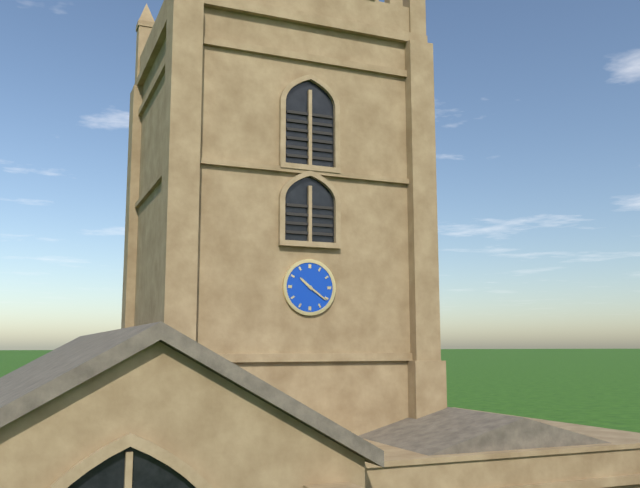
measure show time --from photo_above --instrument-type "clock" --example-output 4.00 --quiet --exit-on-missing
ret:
10.21
